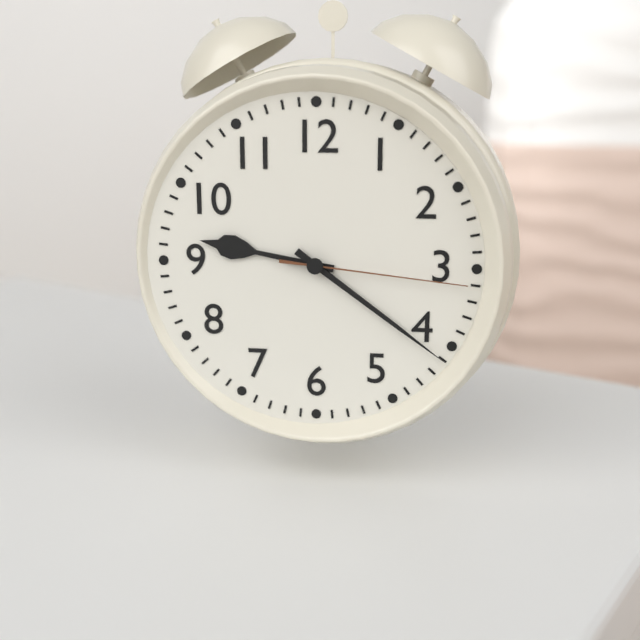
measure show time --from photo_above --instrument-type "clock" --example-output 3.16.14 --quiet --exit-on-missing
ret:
9.21.16
